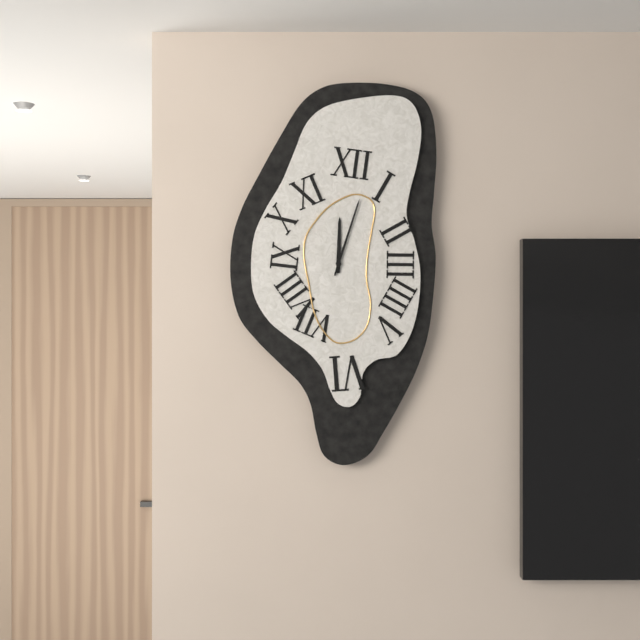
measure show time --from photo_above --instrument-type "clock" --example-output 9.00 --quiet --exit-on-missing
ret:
12.03
